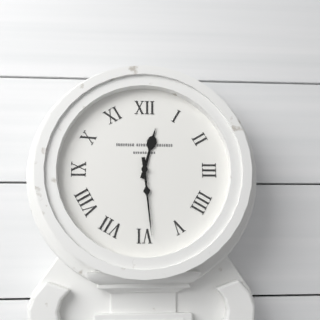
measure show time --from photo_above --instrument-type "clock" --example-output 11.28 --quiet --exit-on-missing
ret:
12.29
